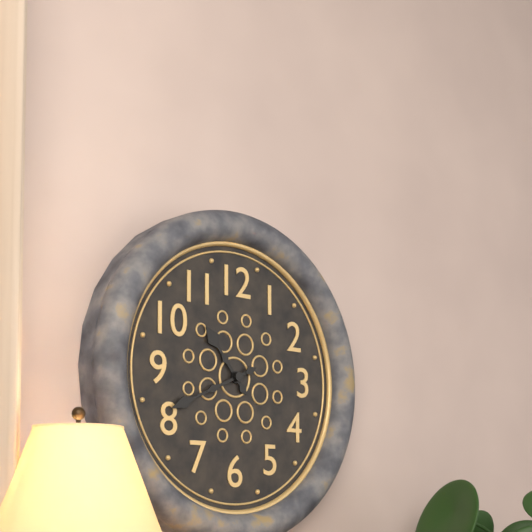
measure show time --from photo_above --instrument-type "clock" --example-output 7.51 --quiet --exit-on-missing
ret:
10.41
